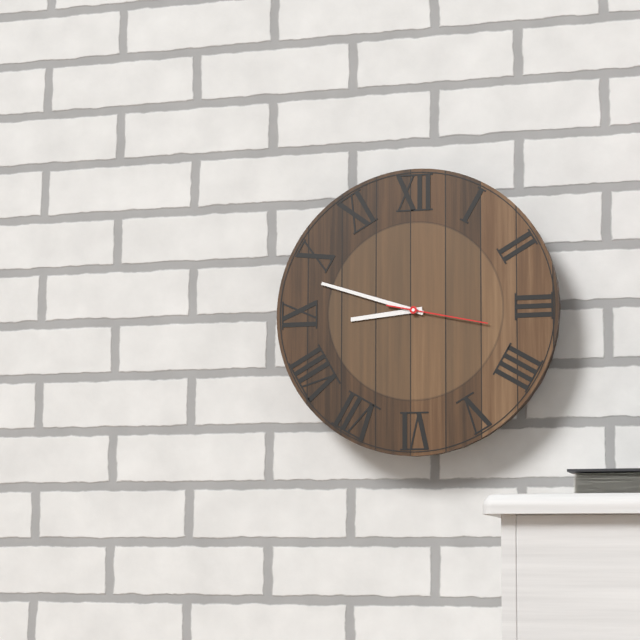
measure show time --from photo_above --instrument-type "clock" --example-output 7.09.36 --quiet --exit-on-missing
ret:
8.48.17
